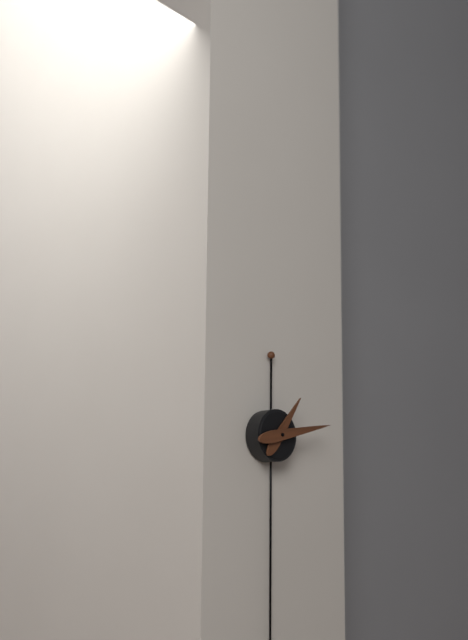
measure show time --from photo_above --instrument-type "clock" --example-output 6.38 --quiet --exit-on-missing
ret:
1.13
